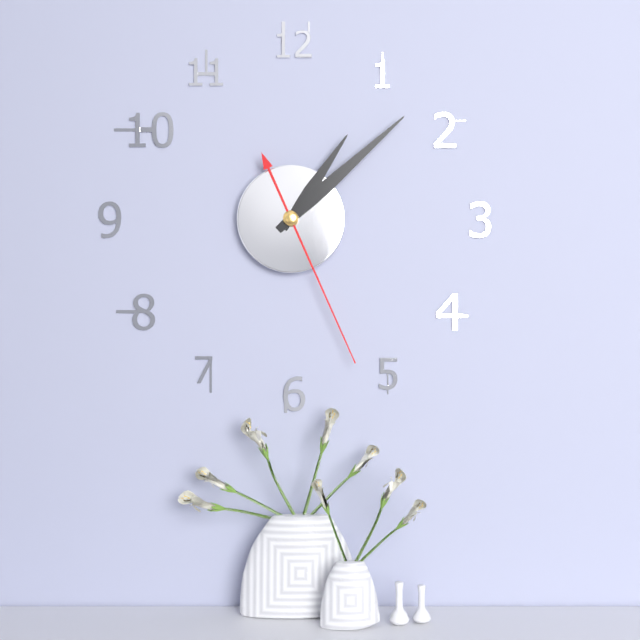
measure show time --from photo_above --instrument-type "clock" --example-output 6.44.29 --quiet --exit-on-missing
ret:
1.08.26
